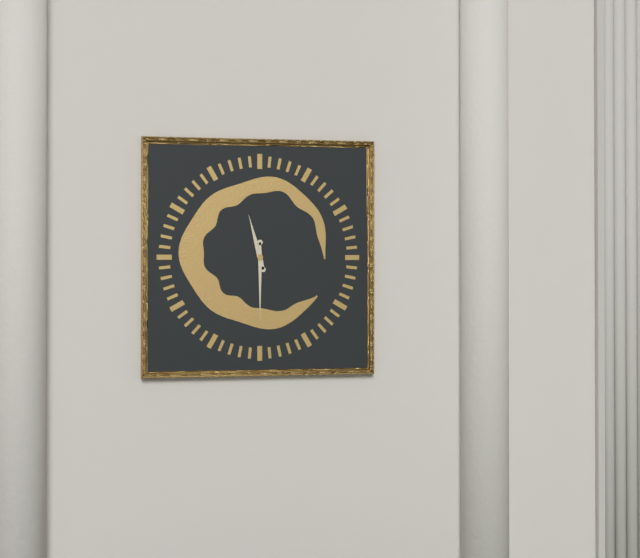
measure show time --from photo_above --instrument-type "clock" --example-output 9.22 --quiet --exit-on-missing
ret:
11.30
